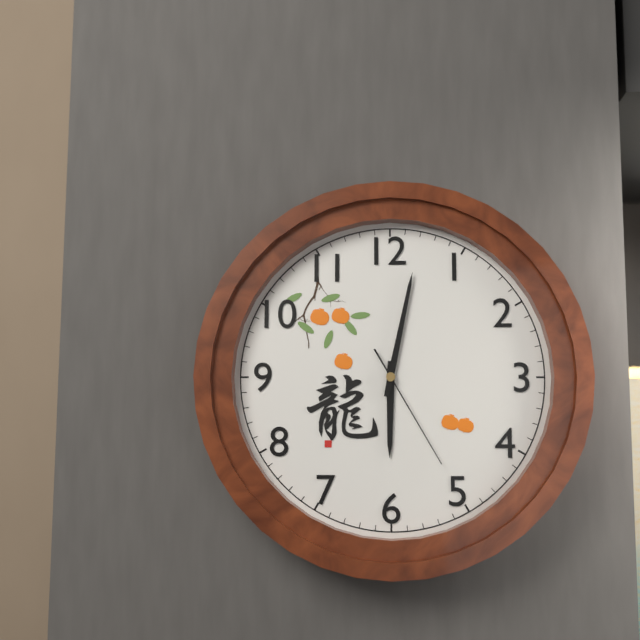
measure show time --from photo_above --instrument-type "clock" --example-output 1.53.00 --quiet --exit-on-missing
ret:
6.02.25
